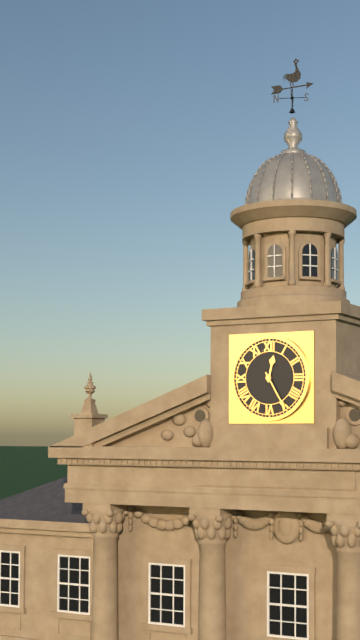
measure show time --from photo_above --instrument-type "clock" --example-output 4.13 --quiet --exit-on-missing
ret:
12.25
